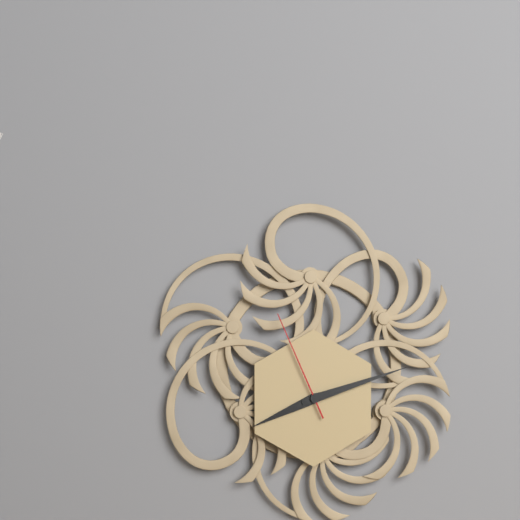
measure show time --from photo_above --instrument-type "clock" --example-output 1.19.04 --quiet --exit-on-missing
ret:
8.12.56
